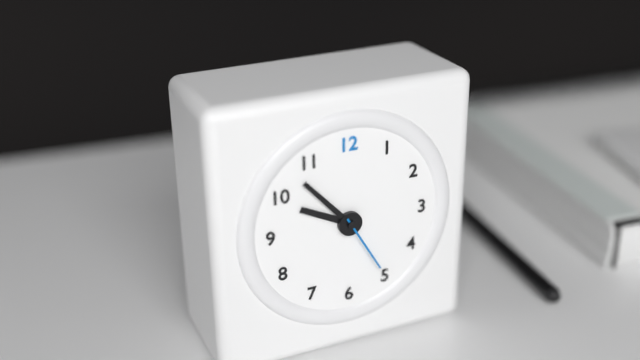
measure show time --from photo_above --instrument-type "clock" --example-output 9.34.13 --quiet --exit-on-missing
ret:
9.53.25
